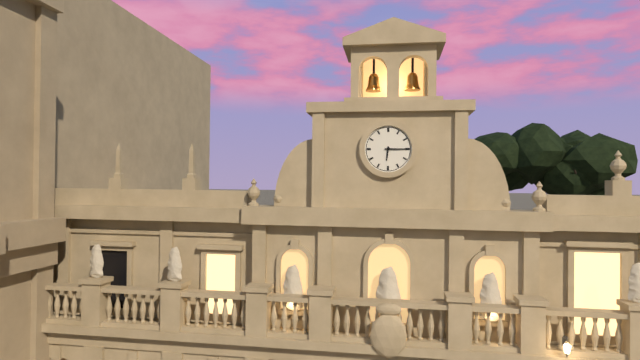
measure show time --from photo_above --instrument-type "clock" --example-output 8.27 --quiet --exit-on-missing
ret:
6.15
